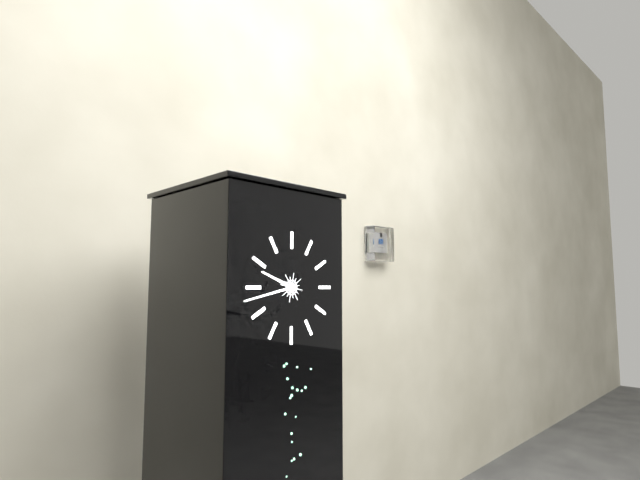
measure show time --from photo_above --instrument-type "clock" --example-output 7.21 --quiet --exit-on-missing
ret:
9.43
